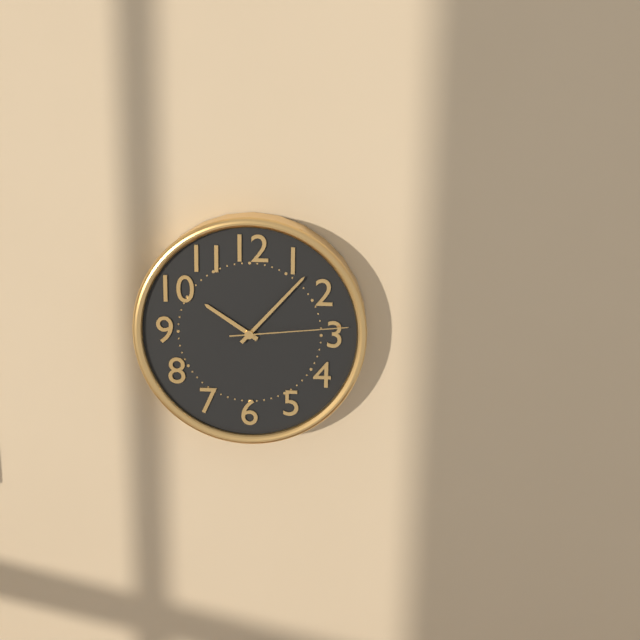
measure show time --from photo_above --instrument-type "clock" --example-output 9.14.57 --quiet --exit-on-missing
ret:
10.07.14
